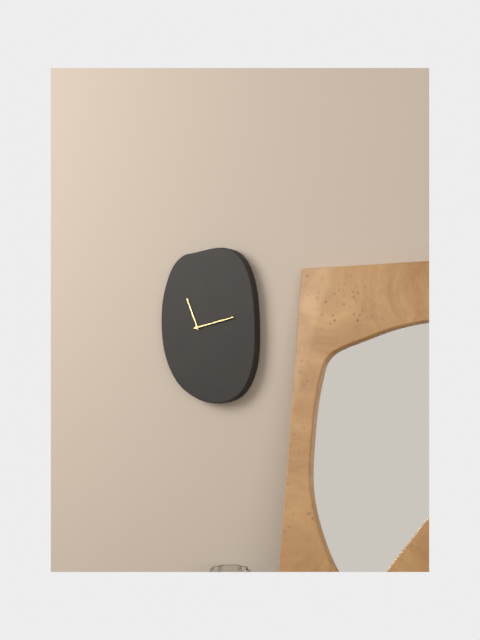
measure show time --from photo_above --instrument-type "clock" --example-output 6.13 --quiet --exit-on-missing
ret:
11.13
